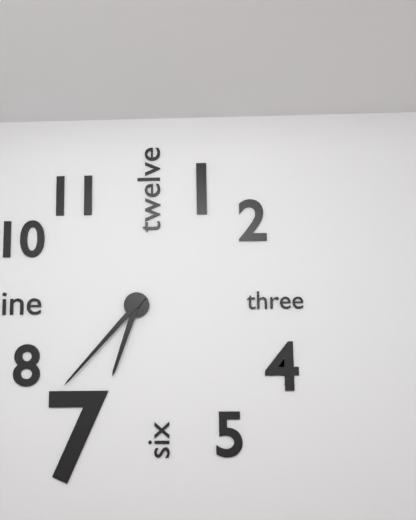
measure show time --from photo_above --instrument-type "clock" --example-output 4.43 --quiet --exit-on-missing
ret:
6.37
